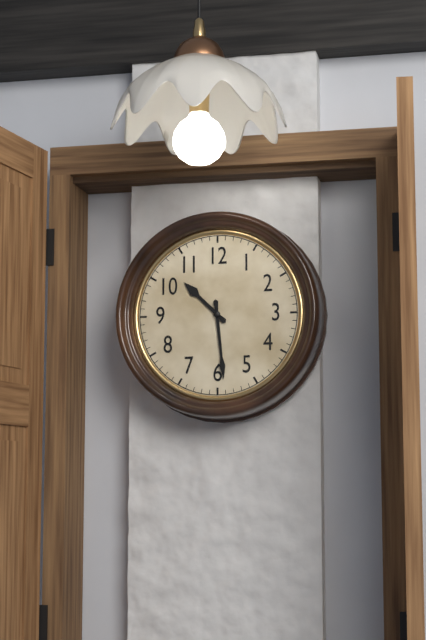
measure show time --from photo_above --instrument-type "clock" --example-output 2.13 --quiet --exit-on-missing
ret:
10.29
